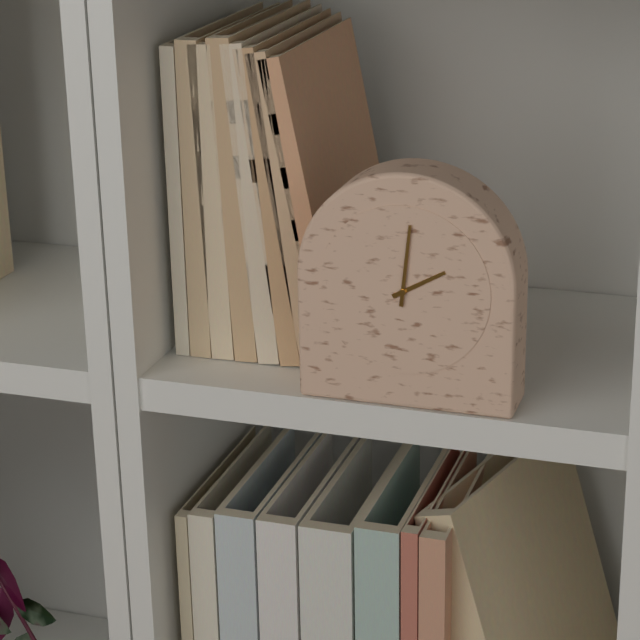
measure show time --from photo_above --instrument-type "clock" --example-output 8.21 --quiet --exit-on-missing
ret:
2.01
